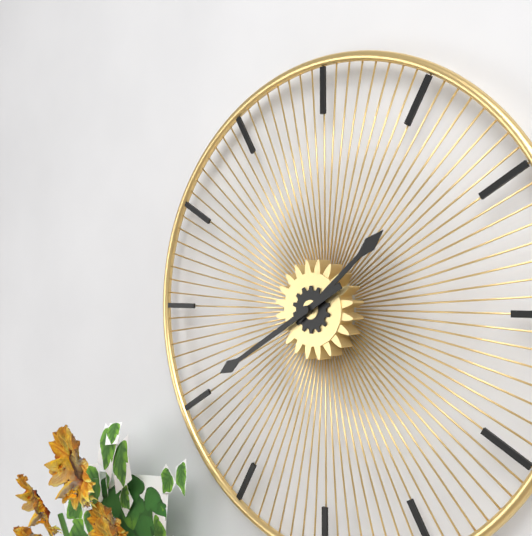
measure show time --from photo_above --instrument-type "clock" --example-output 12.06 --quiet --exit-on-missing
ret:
1.40
